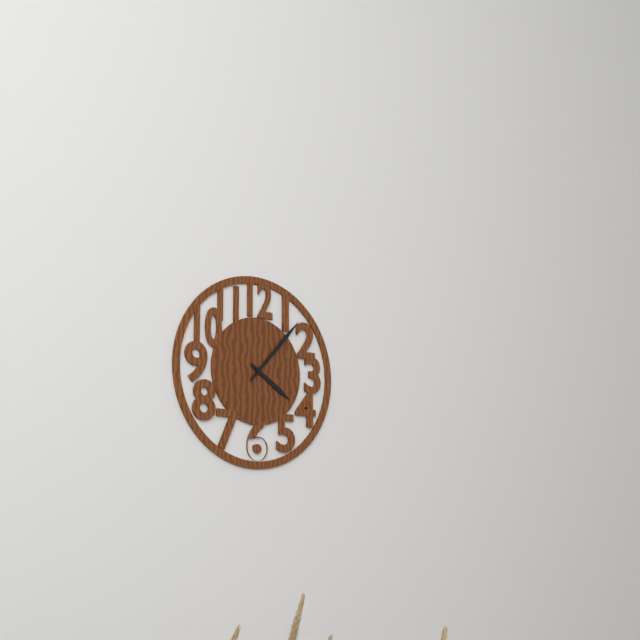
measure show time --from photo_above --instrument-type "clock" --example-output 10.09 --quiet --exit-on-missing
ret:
4.07
